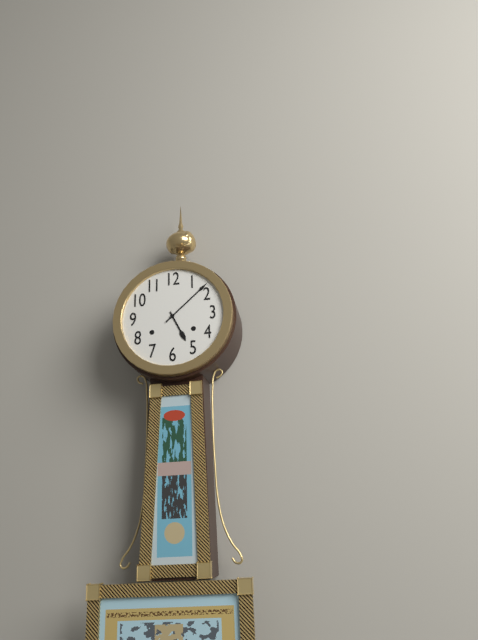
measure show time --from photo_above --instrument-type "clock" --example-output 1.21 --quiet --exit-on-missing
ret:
5.08
